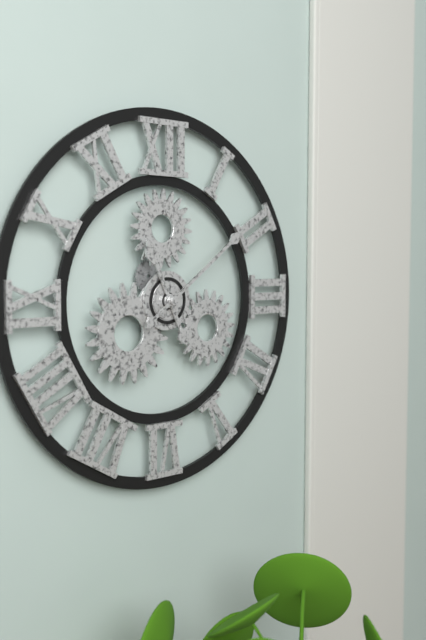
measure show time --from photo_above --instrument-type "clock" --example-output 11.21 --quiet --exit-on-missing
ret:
11.09
